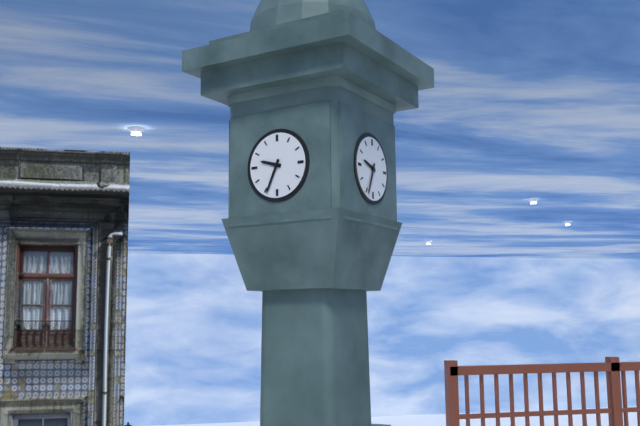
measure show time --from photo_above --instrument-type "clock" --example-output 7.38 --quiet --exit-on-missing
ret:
9.34
